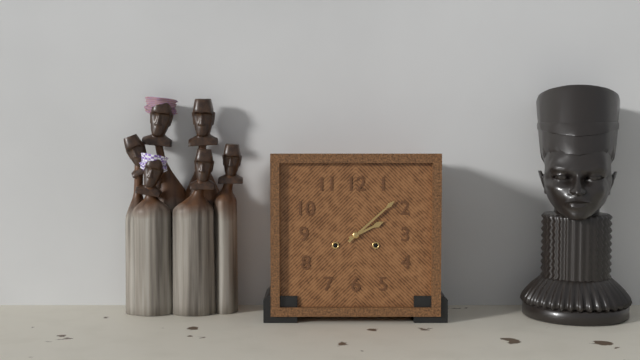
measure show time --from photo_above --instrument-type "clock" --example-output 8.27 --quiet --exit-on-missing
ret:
2.08
